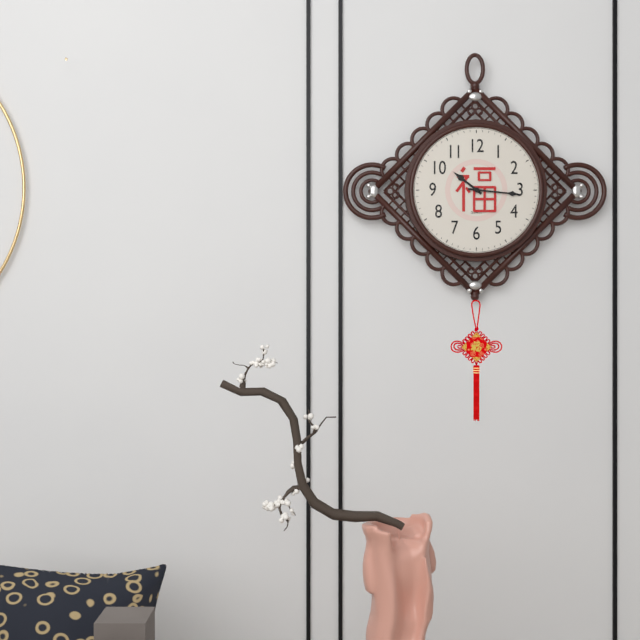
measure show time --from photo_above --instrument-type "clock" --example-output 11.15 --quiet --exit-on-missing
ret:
10.16
